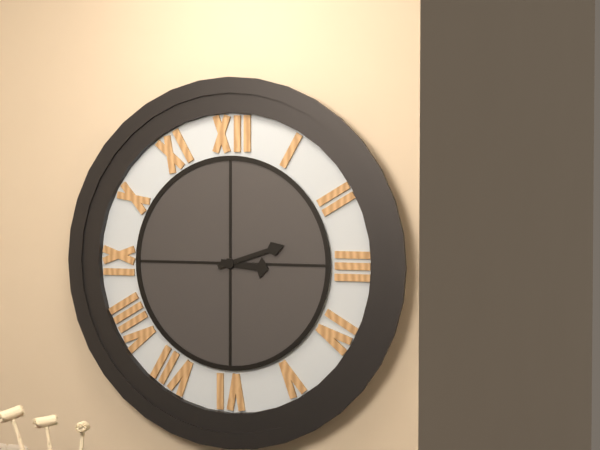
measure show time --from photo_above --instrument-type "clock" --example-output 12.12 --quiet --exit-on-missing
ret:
3.12
